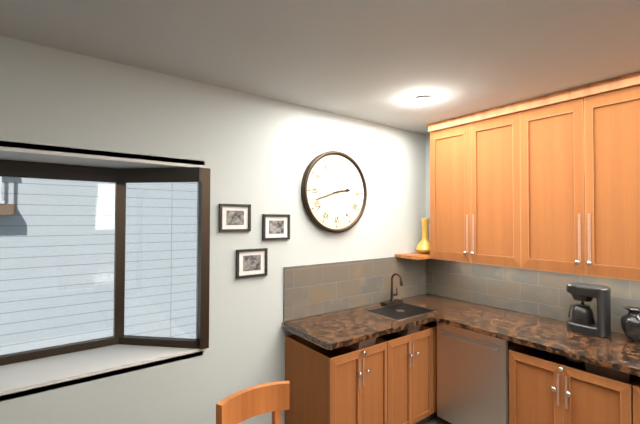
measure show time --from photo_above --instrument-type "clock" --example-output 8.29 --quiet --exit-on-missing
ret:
2.42
